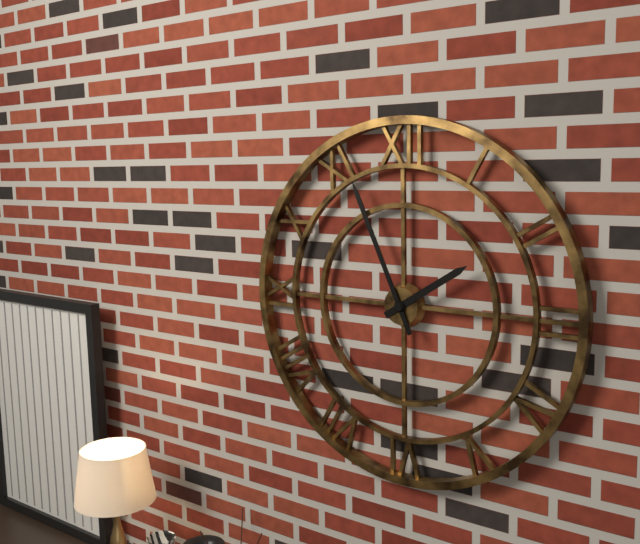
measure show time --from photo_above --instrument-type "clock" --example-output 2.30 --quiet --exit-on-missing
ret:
1.56
